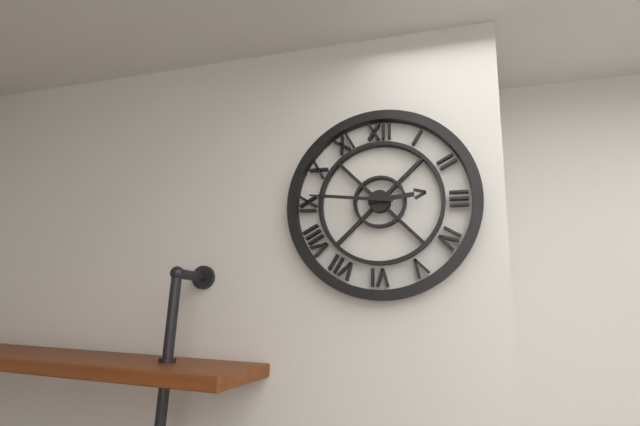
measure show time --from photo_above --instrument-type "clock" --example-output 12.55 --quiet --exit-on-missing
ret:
2.46
